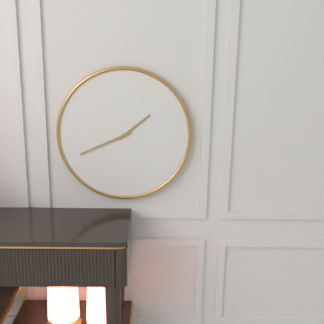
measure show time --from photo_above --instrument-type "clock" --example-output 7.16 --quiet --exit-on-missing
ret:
1.41
